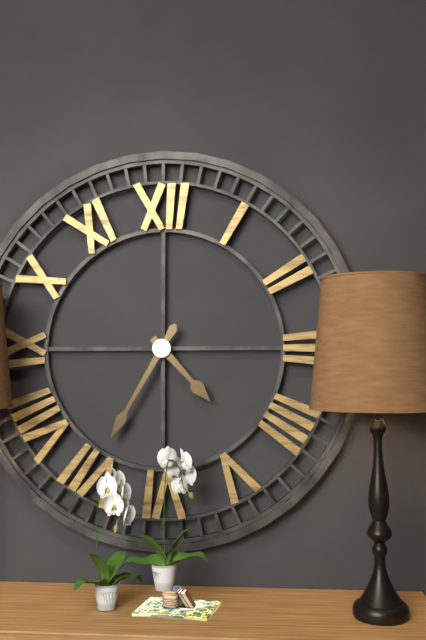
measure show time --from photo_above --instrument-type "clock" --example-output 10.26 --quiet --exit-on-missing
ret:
4.35
